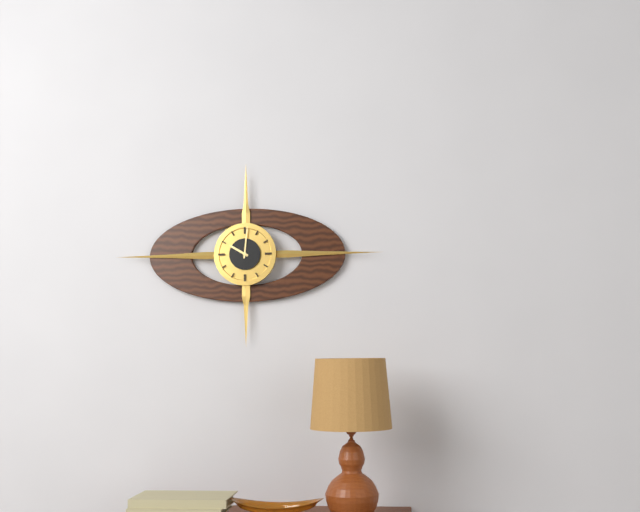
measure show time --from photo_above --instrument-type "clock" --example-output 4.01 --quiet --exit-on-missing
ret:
10.01
